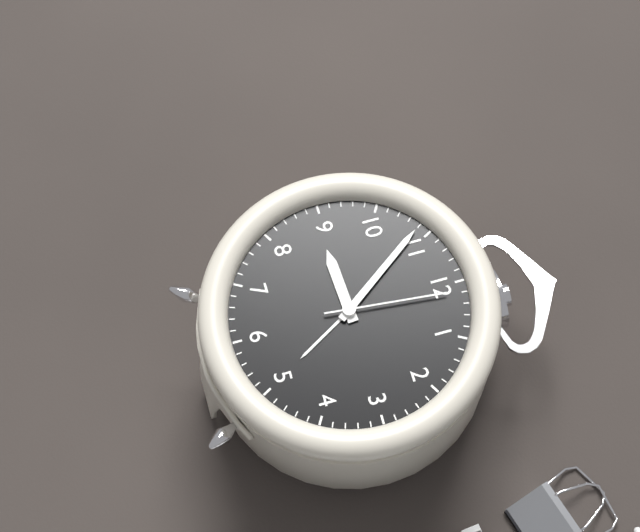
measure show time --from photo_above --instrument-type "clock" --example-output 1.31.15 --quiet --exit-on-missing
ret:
8.54.01
